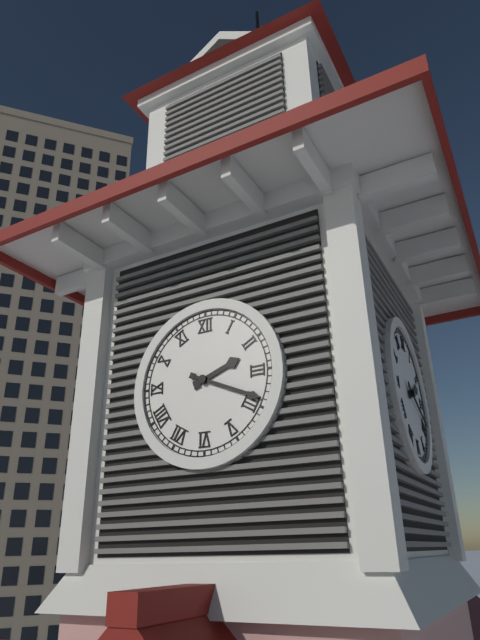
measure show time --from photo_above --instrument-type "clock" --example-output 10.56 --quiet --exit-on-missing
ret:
2.19
